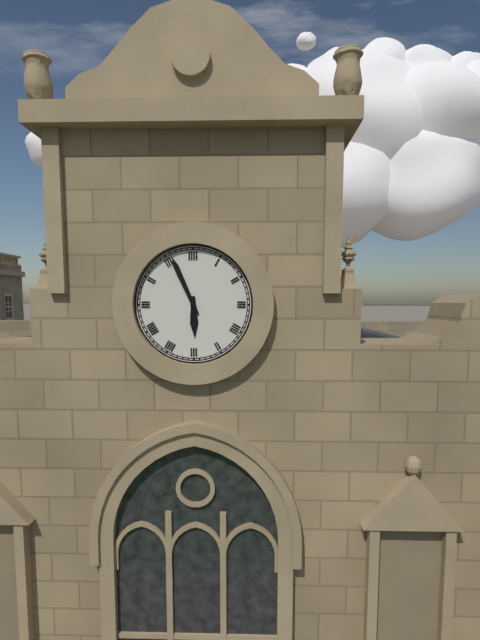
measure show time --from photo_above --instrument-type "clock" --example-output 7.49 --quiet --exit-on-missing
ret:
5.56
